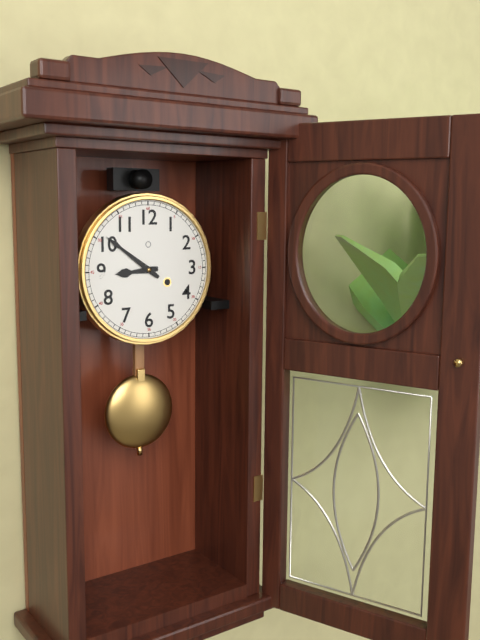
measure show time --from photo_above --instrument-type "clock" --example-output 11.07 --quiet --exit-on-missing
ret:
8.51
